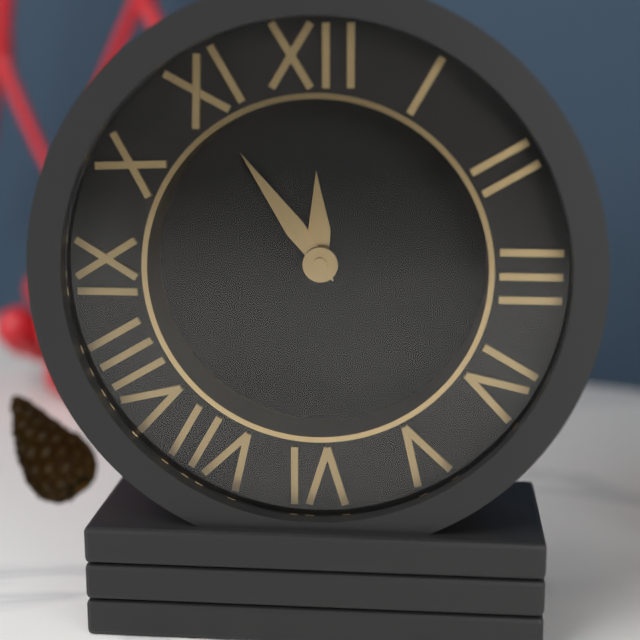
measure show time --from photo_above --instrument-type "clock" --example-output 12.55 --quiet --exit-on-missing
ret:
11.54
